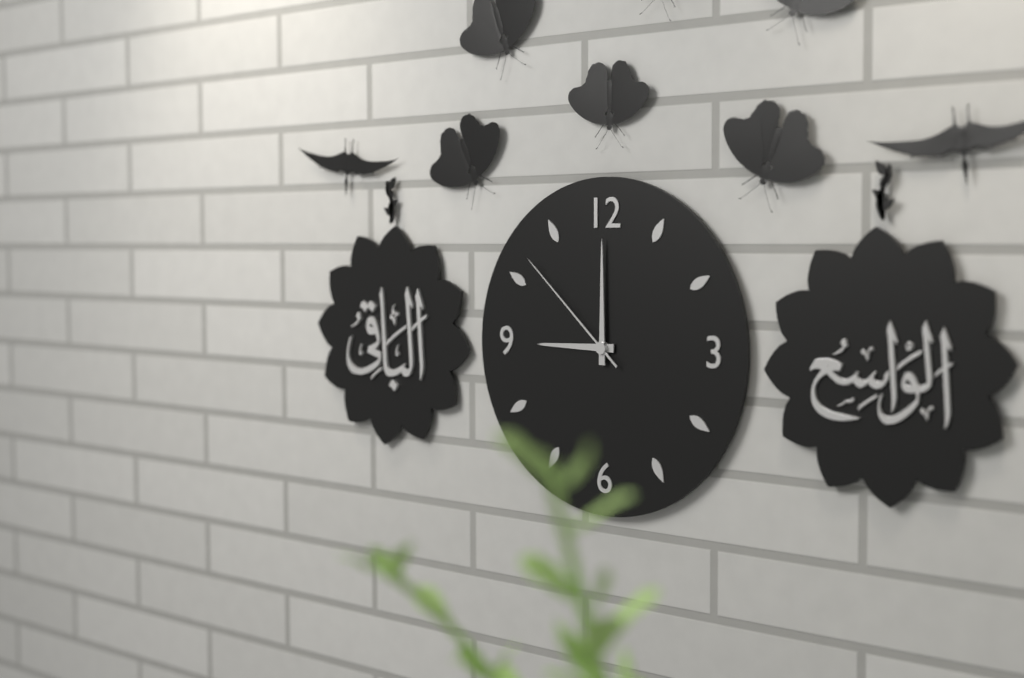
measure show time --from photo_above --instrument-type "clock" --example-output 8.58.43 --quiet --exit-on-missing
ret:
9.00.52
